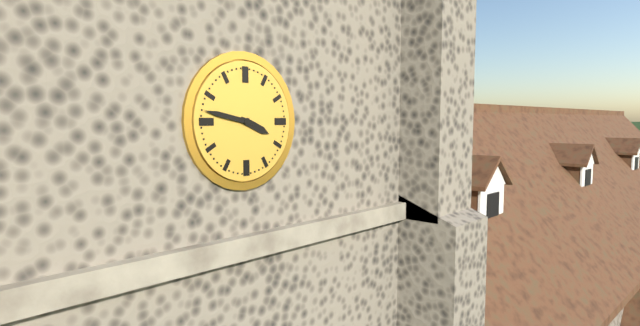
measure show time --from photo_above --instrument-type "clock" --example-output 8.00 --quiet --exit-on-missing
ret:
3.47
